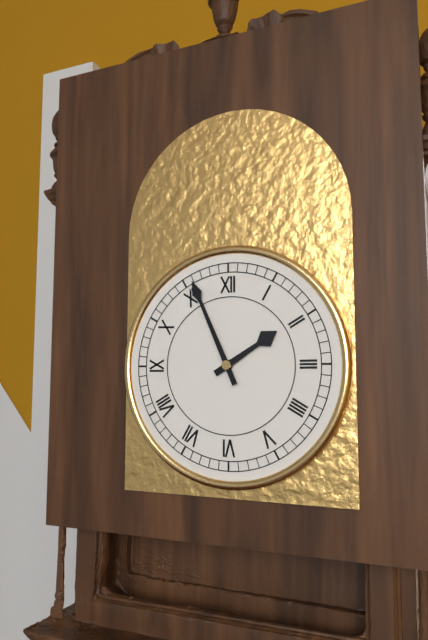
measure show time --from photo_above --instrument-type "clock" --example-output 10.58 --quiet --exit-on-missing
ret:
1.56
